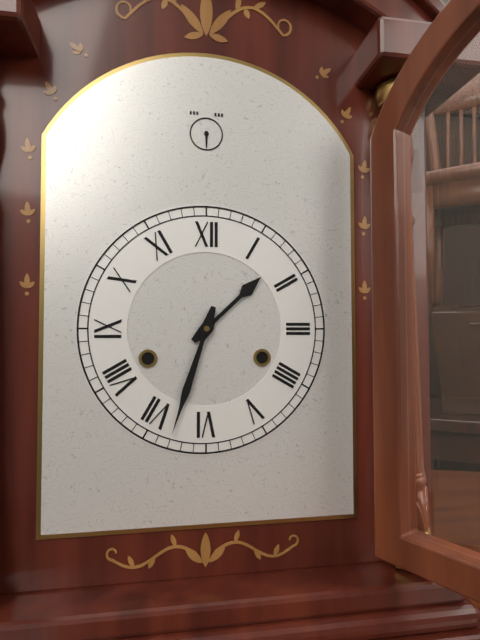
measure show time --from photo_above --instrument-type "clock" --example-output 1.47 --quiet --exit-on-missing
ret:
1.33
